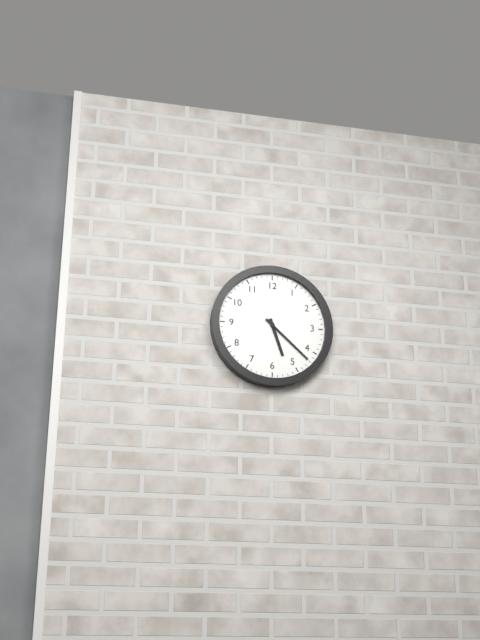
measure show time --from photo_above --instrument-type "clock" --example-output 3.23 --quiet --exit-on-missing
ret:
5.22
